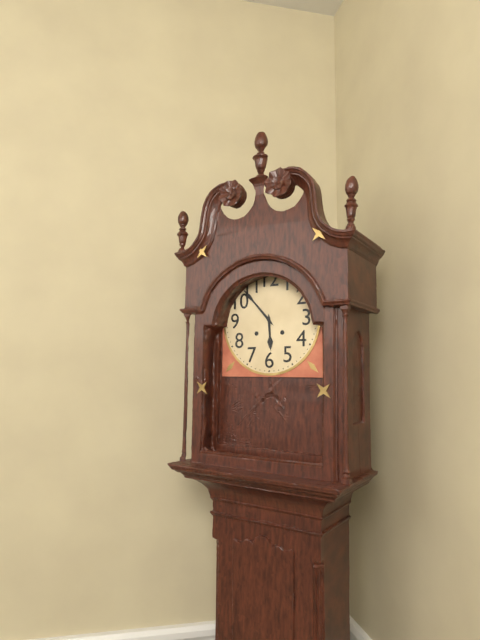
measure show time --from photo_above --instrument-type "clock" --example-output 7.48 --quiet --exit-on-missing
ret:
5.53
